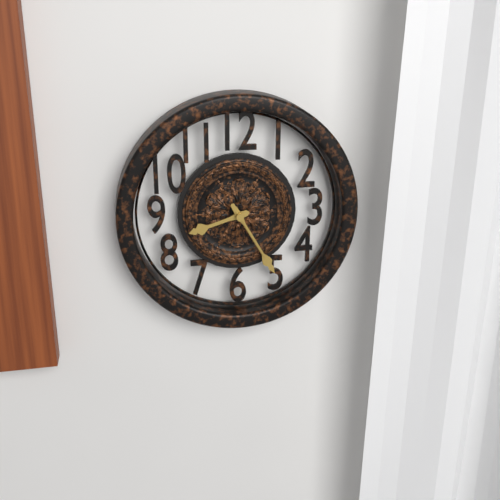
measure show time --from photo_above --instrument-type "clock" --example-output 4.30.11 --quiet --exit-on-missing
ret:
8.25.25
